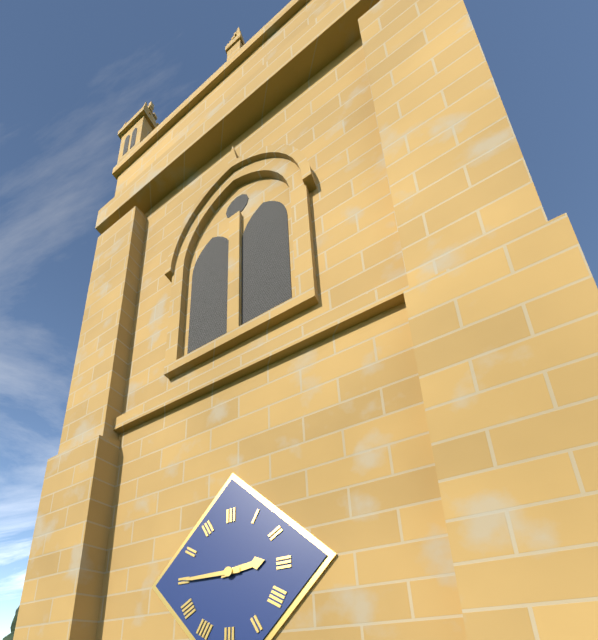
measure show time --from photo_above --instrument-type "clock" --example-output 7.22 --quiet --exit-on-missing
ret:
2.45
